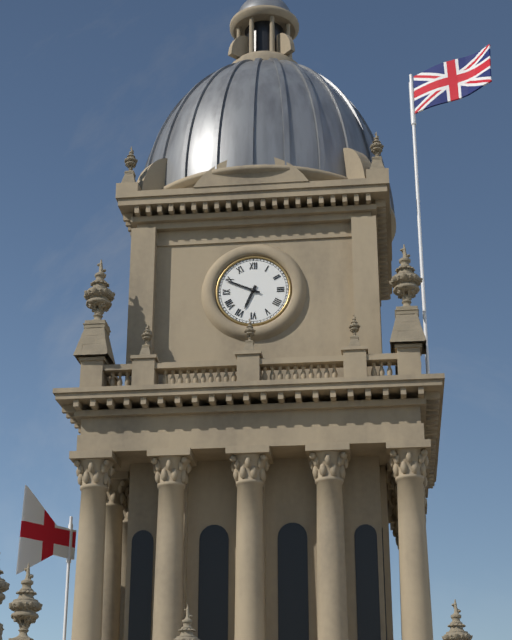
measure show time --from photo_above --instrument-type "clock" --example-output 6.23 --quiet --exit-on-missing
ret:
6.49
